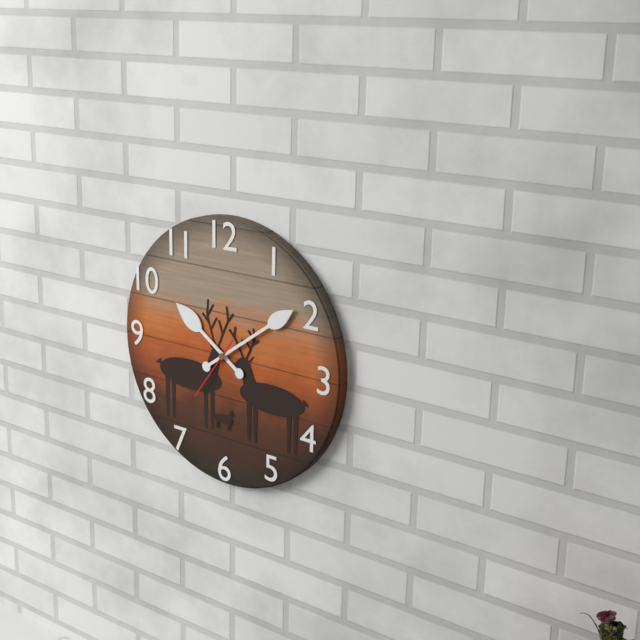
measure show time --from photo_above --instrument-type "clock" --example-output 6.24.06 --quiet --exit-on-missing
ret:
10.09.36
